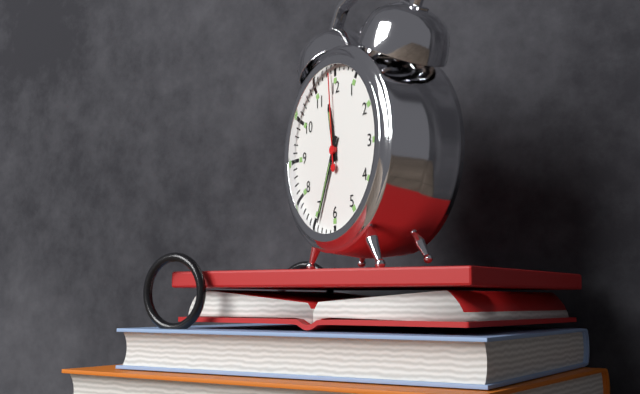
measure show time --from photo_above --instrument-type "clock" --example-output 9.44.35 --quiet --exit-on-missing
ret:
11.34.59
